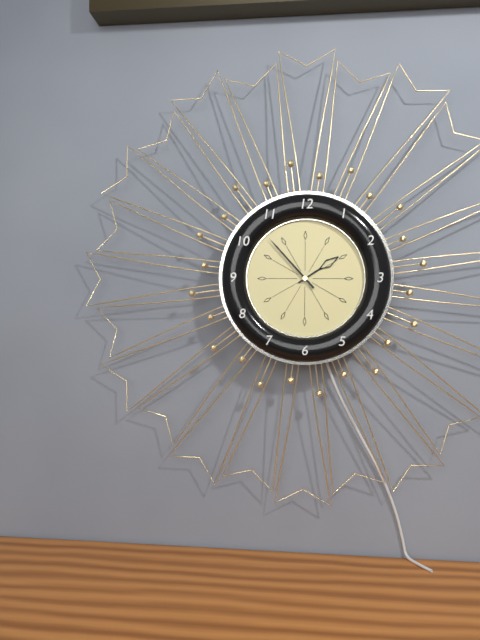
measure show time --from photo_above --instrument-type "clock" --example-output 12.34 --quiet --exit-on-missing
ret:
1.53
